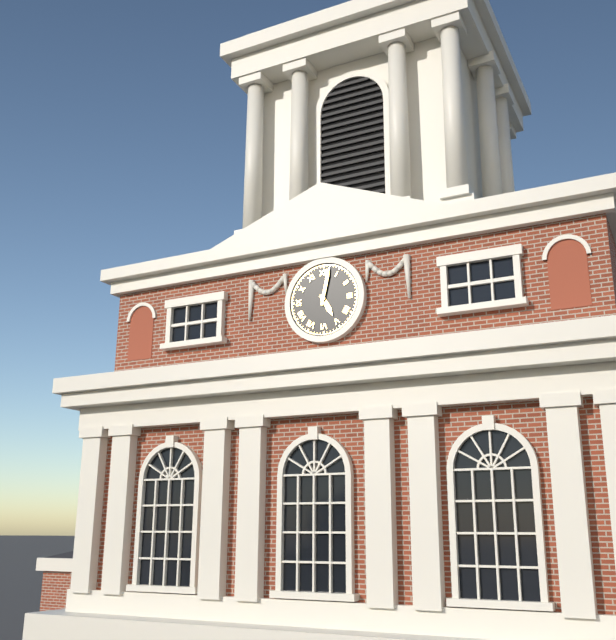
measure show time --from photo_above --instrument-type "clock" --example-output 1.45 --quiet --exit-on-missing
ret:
5.02
